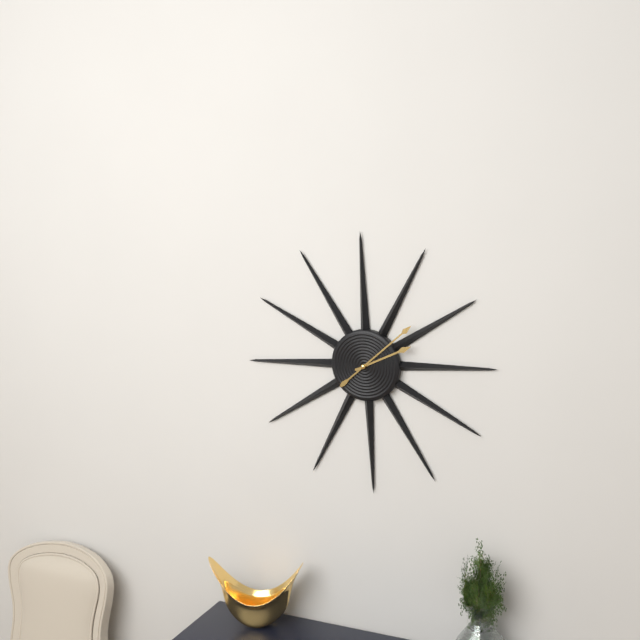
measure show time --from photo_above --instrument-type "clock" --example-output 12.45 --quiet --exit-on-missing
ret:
2.08
